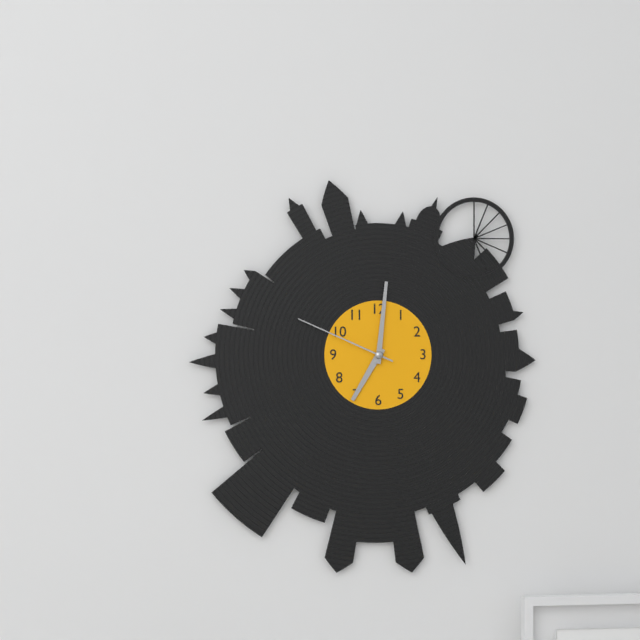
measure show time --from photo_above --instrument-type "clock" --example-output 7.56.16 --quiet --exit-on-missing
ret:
7.01.49
